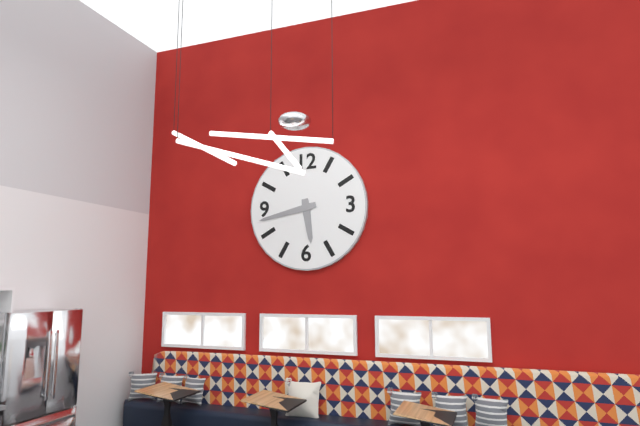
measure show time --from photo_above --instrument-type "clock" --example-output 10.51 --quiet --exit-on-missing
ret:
5.43
